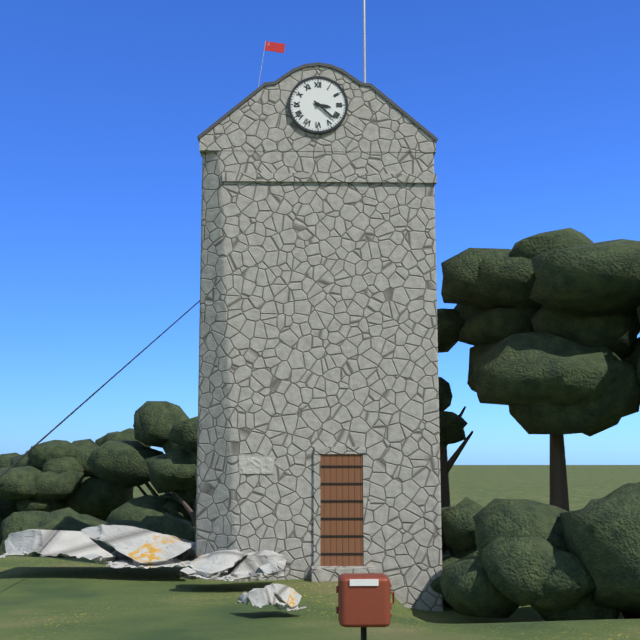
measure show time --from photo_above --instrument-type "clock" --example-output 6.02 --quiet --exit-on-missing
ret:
3.22
